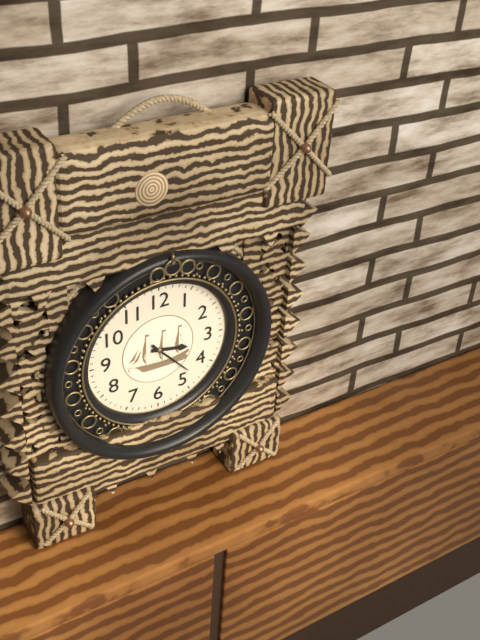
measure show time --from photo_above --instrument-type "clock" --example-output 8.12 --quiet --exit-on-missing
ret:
3.23
